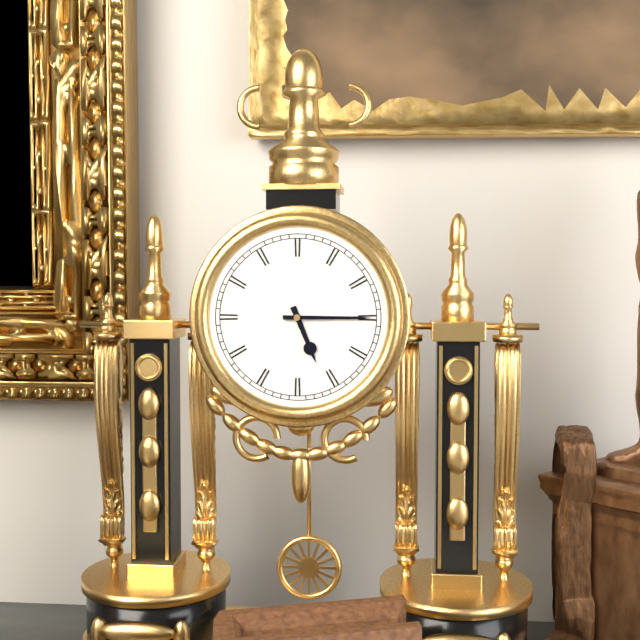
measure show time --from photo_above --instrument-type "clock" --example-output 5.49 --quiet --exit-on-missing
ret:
5.15
